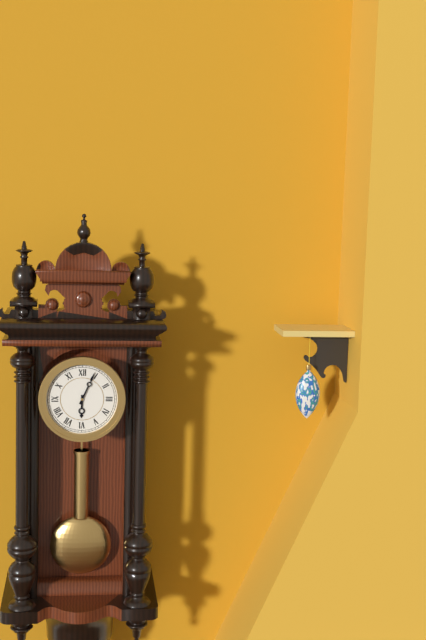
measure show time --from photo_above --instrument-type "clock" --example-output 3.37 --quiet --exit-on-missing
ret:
6.04
